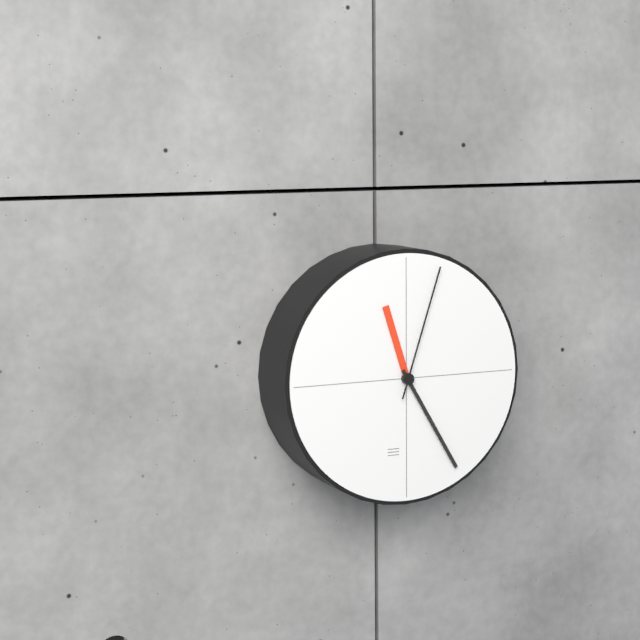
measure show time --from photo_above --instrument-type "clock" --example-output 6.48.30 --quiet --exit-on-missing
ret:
11.25.03
